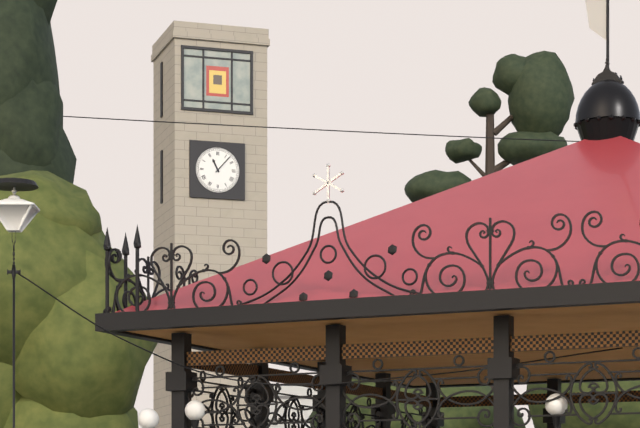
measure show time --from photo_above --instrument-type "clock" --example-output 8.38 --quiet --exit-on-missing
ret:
11.07
